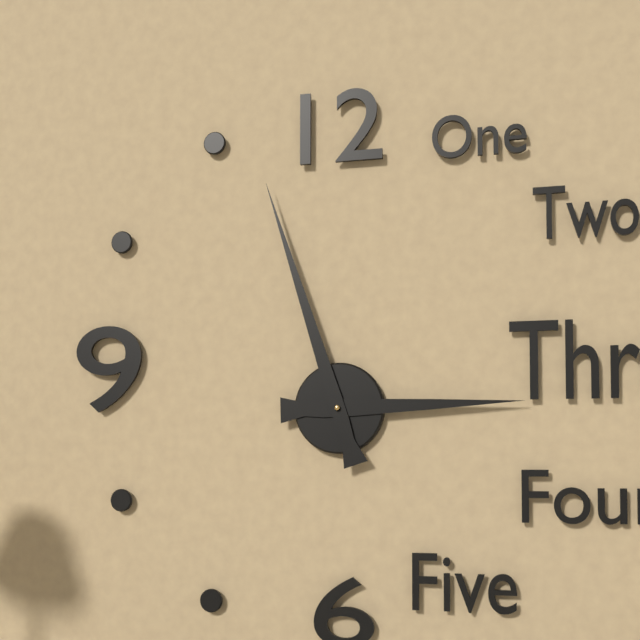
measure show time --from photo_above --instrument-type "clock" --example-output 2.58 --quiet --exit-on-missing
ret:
2.57
